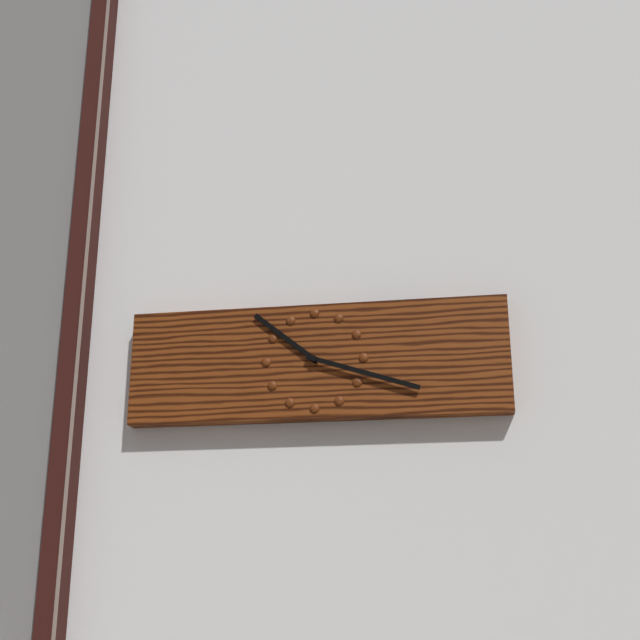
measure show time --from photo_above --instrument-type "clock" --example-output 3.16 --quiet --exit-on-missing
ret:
10.18
